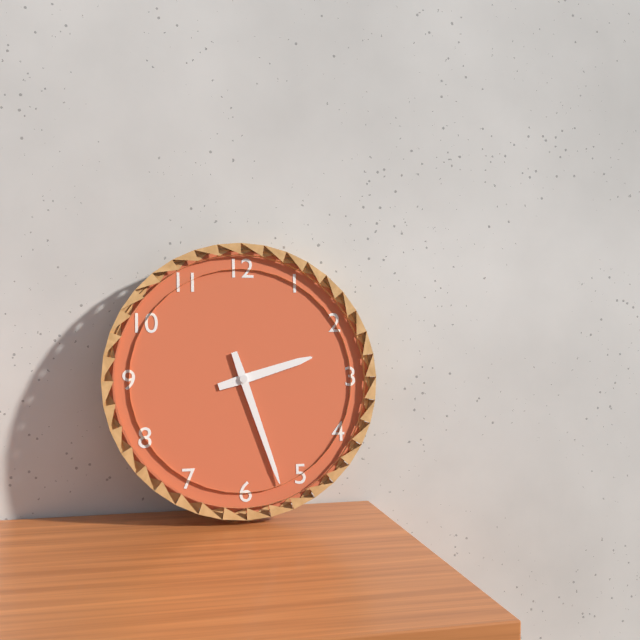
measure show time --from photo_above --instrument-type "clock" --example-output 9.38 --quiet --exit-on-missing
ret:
2.27
